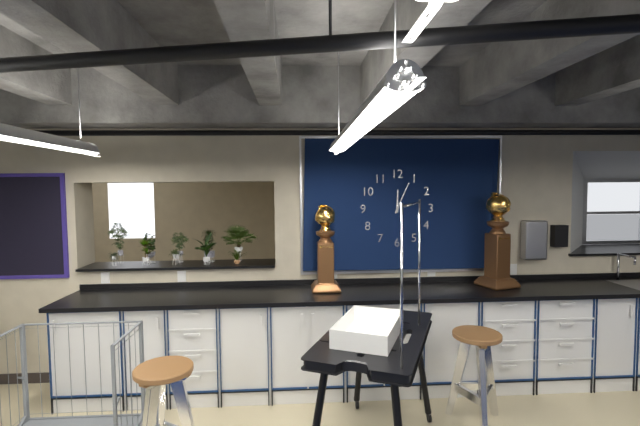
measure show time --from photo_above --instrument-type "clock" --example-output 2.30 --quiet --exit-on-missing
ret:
12.04
